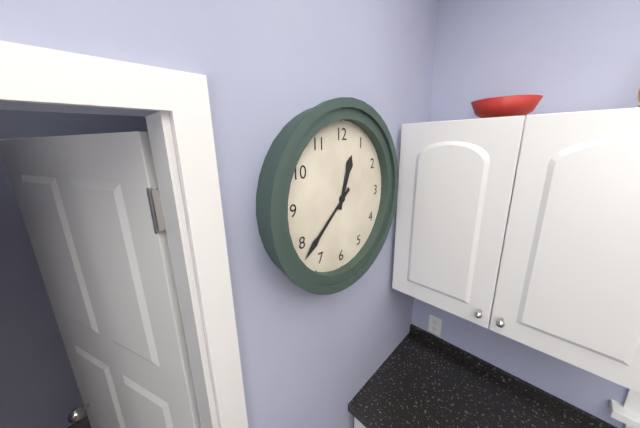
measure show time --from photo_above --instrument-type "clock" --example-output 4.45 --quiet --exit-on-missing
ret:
12.38
